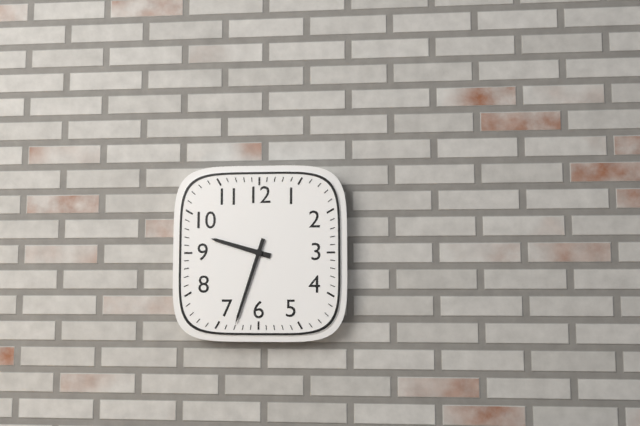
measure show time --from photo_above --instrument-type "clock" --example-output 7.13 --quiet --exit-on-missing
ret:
9.33
